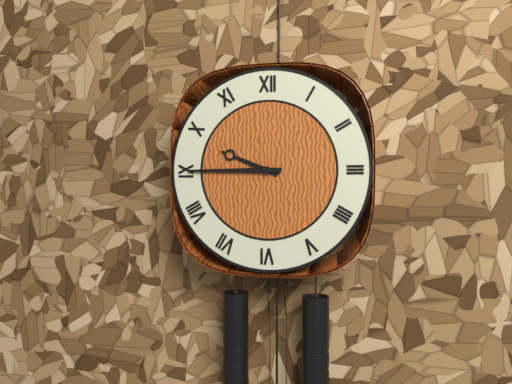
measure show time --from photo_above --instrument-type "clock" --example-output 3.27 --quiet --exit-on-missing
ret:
9.45
